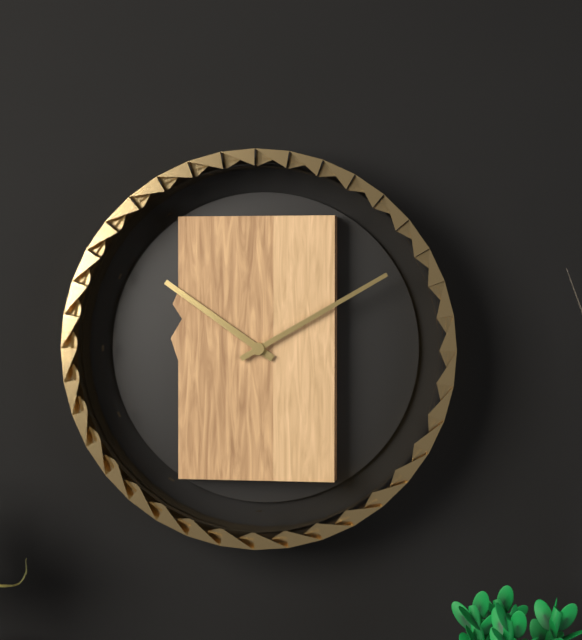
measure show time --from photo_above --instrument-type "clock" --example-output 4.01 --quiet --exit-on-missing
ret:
10.10
